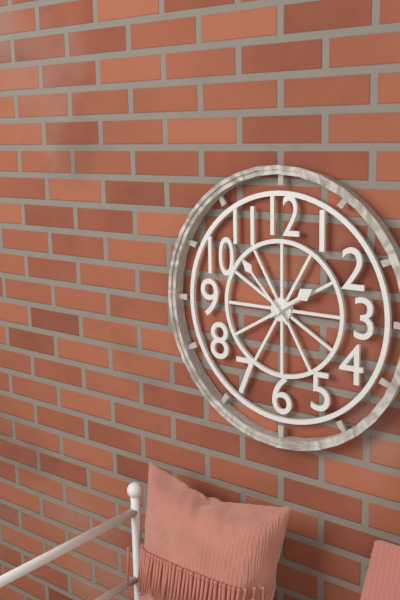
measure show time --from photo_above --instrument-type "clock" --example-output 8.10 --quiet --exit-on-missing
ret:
1.53
